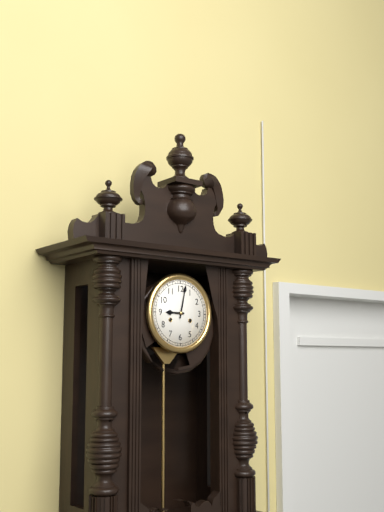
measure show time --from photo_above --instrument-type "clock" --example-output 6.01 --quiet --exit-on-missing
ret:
9.02
